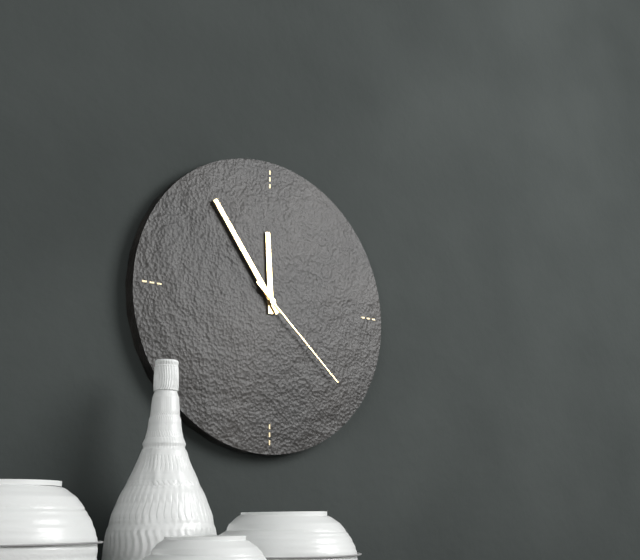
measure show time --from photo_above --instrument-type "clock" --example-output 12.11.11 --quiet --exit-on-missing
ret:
11.54.22
